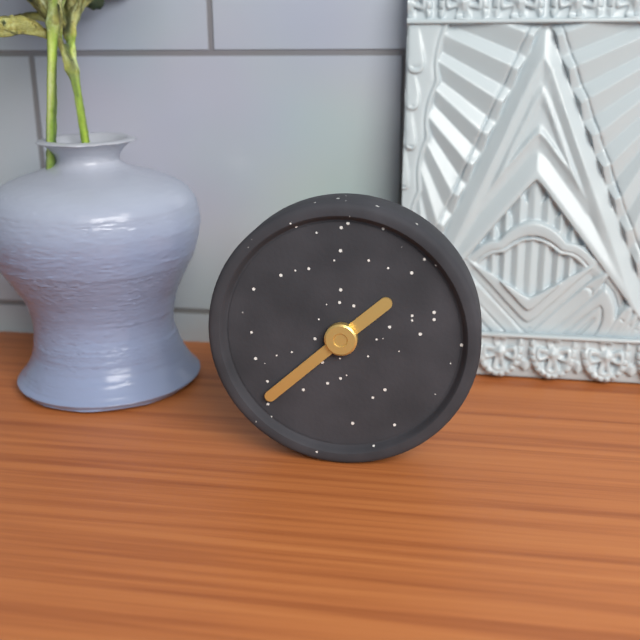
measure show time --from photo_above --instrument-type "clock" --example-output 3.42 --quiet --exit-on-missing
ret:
1.38
